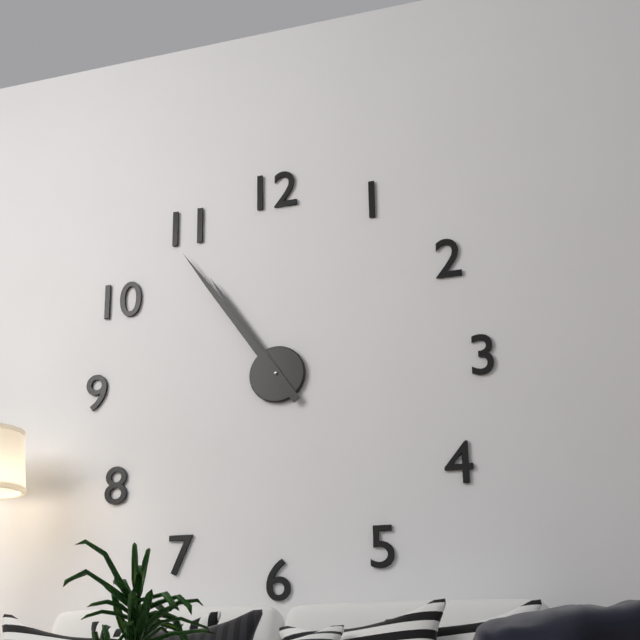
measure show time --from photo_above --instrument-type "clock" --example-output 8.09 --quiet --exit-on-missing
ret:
10.54
